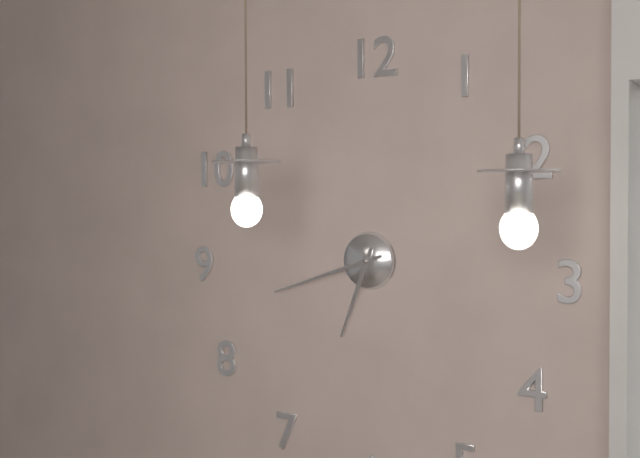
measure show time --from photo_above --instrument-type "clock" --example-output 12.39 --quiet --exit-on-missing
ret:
6.42
